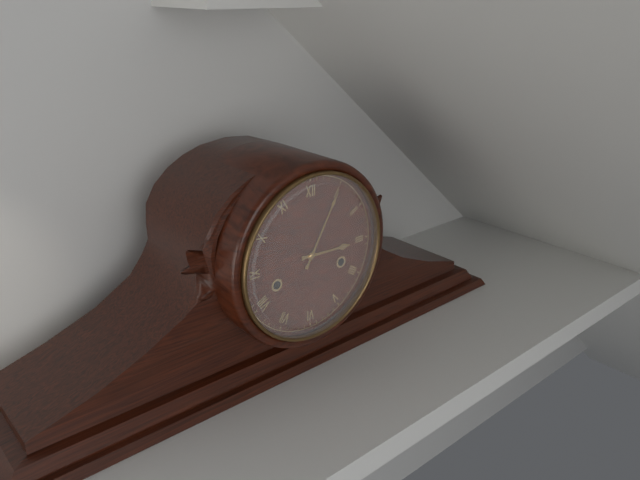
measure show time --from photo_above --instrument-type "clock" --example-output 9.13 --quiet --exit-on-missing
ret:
3.05
